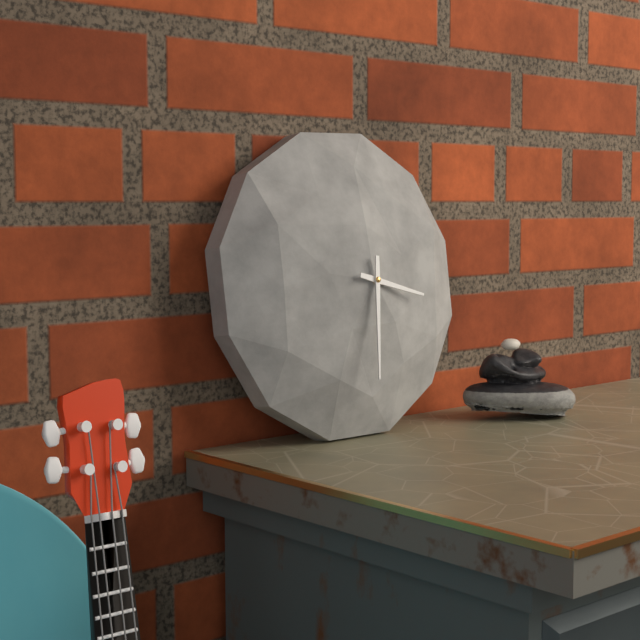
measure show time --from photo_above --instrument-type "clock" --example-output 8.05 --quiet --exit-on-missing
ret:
3.31
